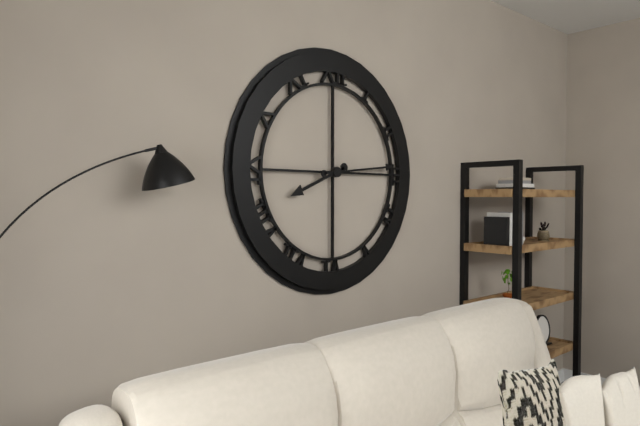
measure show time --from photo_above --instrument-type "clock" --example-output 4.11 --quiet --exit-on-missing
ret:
8.14
